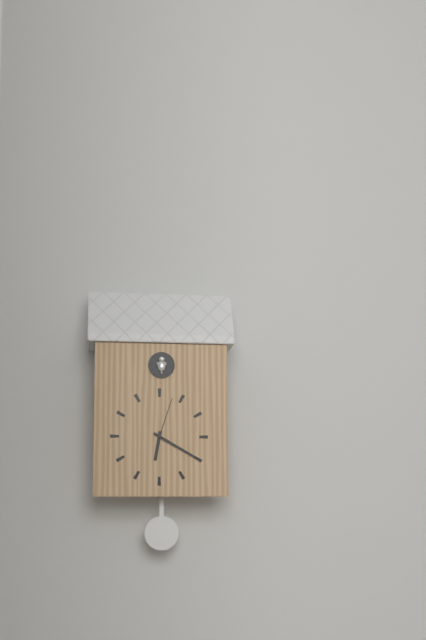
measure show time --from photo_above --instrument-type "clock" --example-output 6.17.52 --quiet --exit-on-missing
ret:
6.20.03
